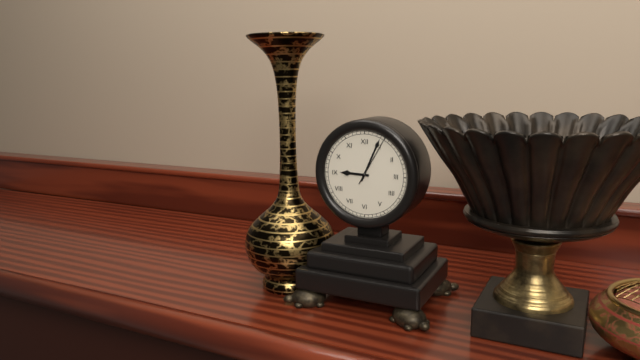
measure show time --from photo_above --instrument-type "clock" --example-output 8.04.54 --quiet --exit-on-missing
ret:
9.04.05
